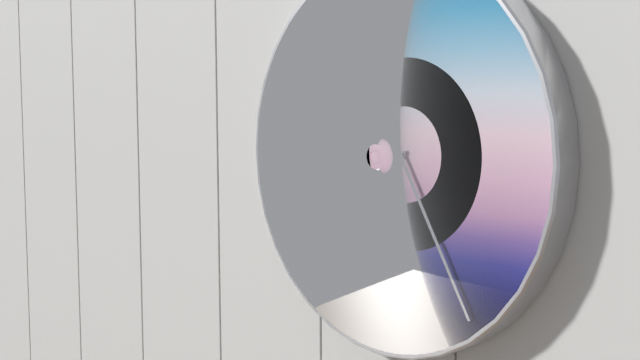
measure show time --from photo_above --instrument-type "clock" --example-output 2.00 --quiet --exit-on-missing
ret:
7.25
